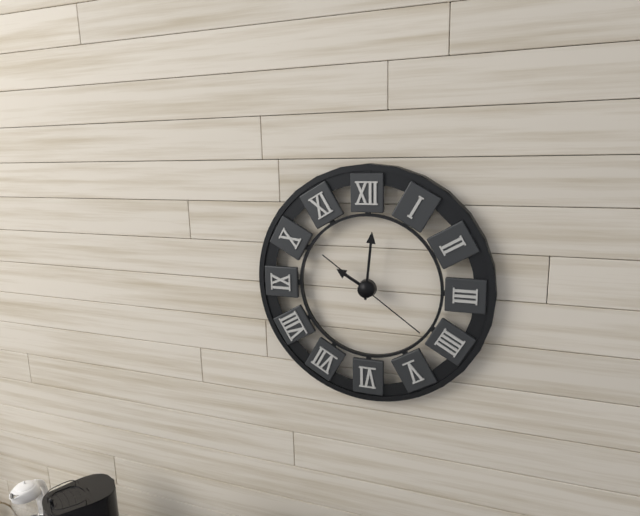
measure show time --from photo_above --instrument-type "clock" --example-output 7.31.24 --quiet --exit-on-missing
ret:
10.01.21
